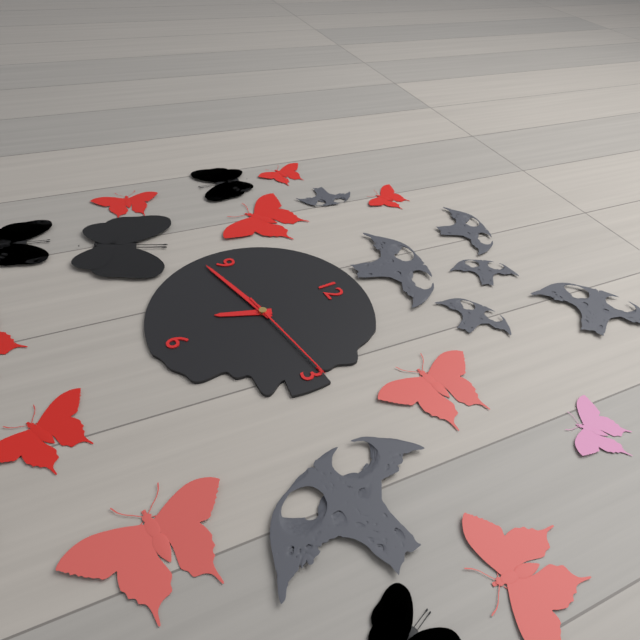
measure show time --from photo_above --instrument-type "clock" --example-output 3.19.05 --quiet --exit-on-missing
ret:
6.43.14
